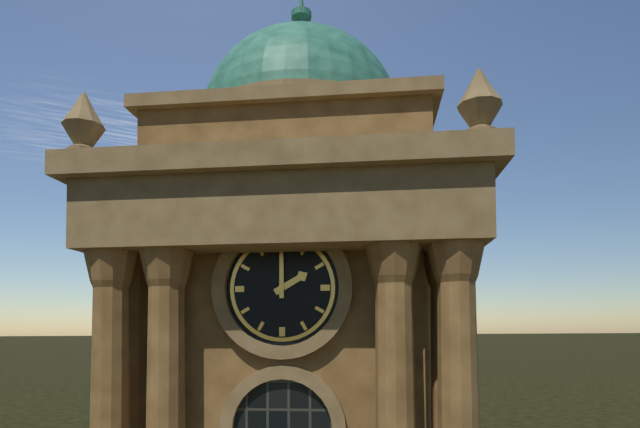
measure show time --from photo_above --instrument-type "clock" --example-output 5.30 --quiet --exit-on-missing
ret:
2.00
